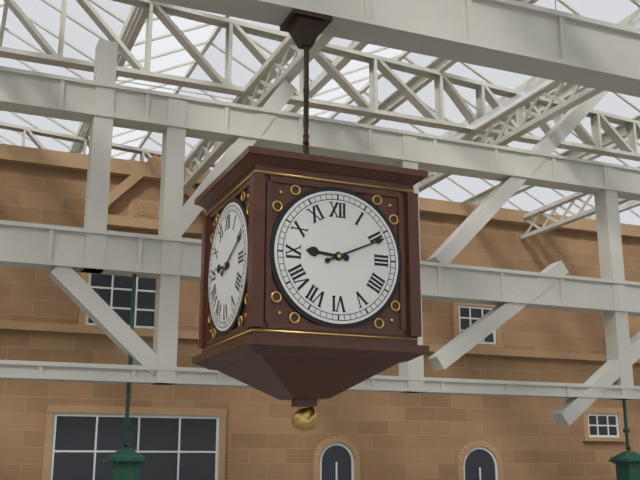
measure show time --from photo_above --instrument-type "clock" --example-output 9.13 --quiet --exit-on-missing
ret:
9.11
